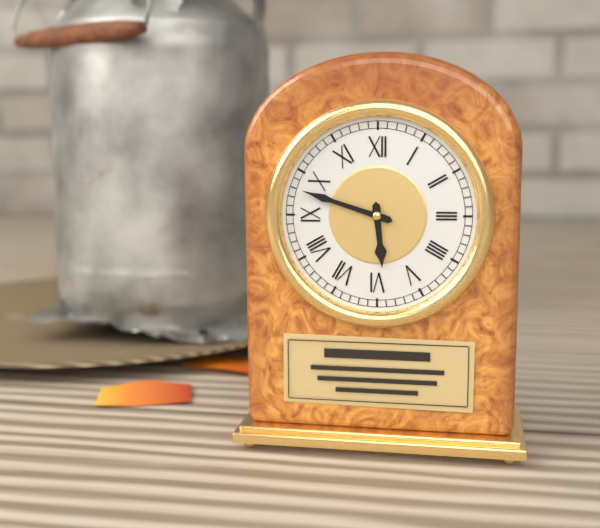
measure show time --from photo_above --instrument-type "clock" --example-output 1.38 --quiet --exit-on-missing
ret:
5.48
